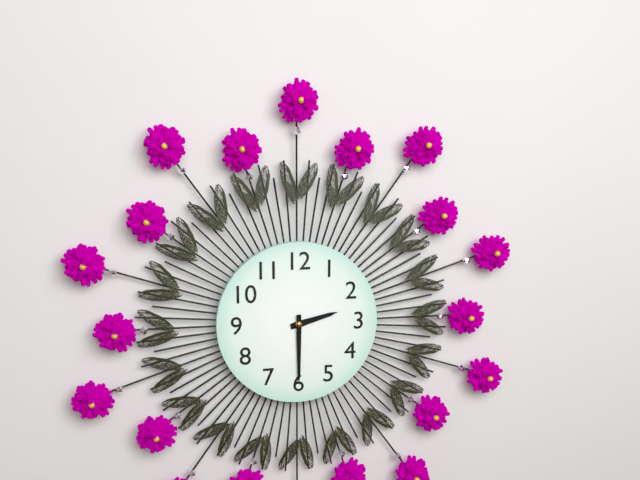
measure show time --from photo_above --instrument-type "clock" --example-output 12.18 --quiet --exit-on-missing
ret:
2.30
